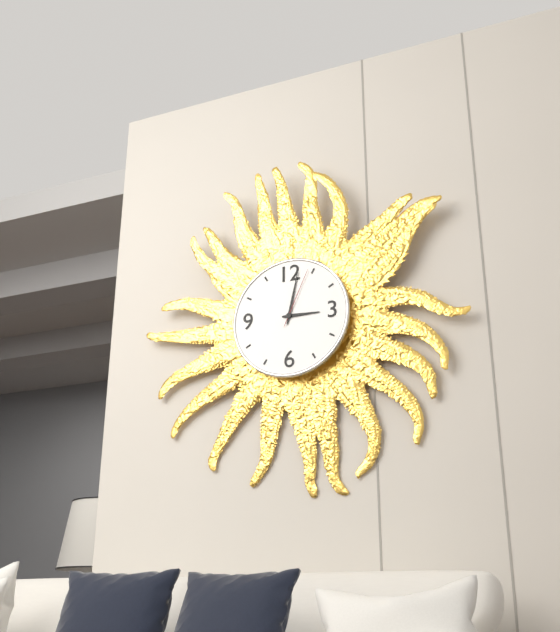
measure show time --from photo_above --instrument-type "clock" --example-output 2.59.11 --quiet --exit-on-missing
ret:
3.02.04
